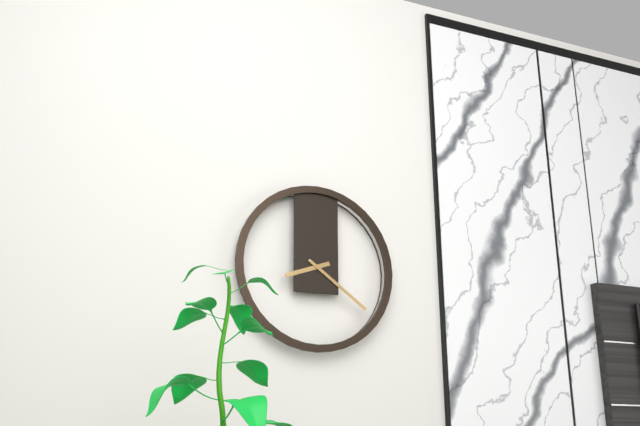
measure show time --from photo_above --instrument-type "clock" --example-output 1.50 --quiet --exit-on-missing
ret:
8.21
